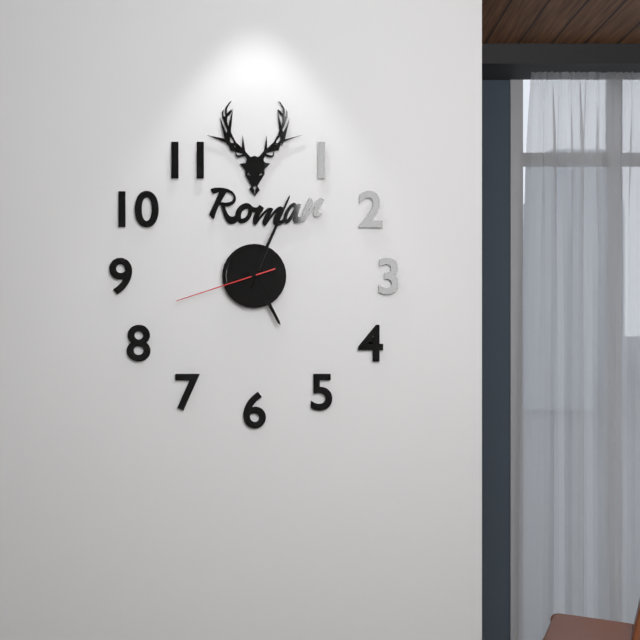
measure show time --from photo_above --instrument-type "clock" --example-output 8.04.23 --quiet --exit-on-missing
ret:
5.04.42
